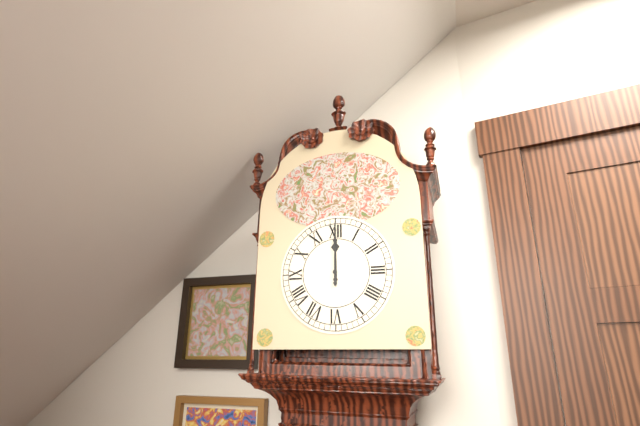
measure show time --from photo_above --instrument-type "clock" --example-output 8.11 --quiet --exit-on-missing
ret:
12.00
